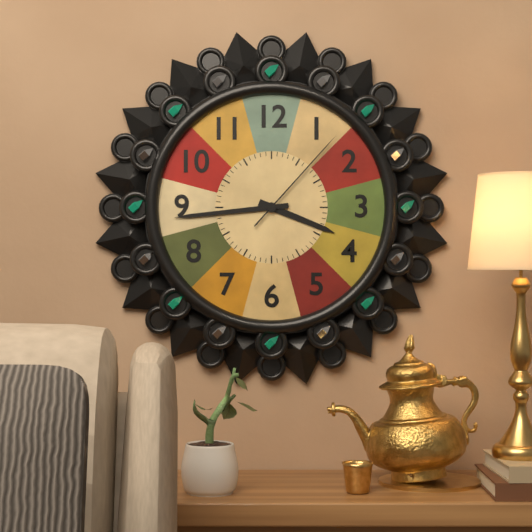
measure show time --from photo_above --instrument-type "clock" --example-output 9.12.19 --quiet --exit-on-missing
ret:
3.44.07
